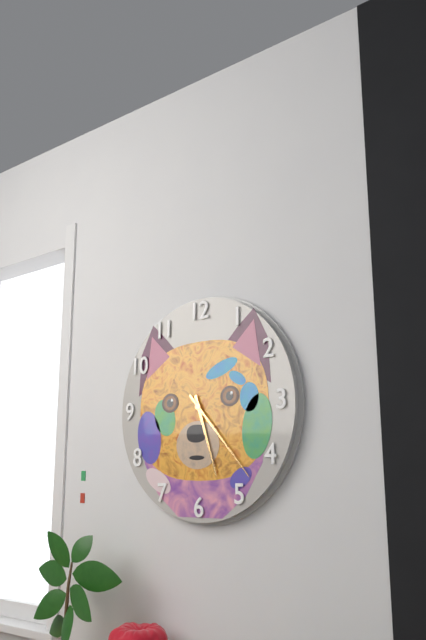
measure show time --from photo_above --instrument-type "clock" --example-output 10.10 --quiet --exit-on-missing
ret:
5.23
